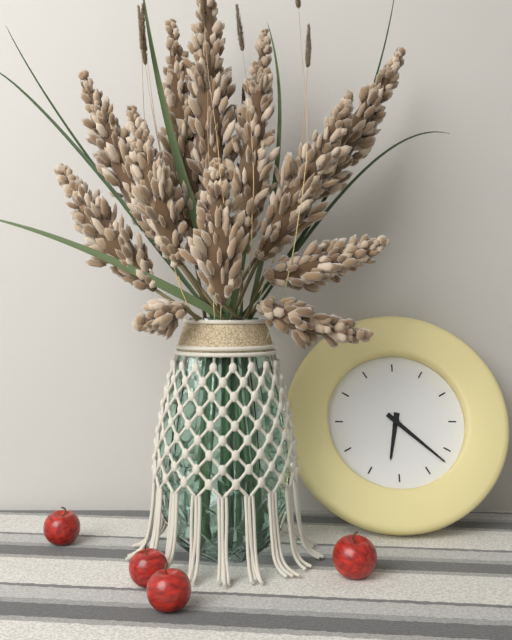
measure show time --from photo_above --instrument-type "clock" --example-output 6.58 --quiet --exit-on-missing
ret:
6.22
